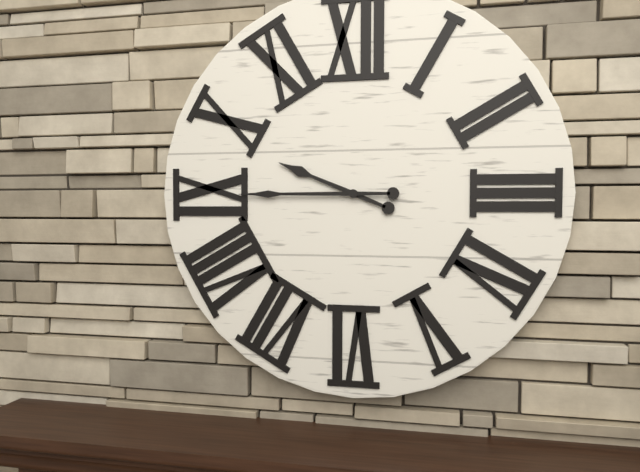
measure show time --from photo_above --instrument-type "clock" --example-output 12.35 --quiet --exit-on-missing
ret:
9.45
